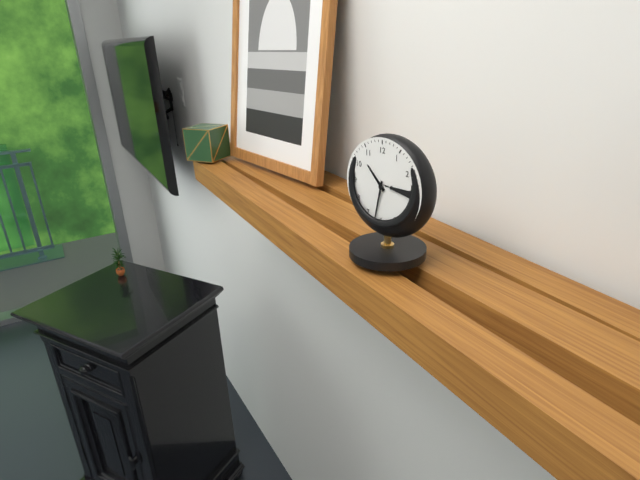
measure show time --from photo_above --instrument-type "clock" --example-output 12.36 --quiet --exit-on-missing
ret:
10.32
